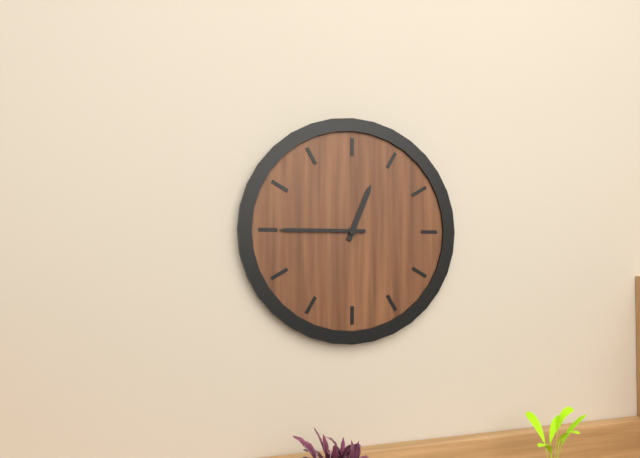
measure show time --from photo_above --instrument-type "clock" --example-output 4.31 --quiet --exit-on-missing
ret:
12.45
